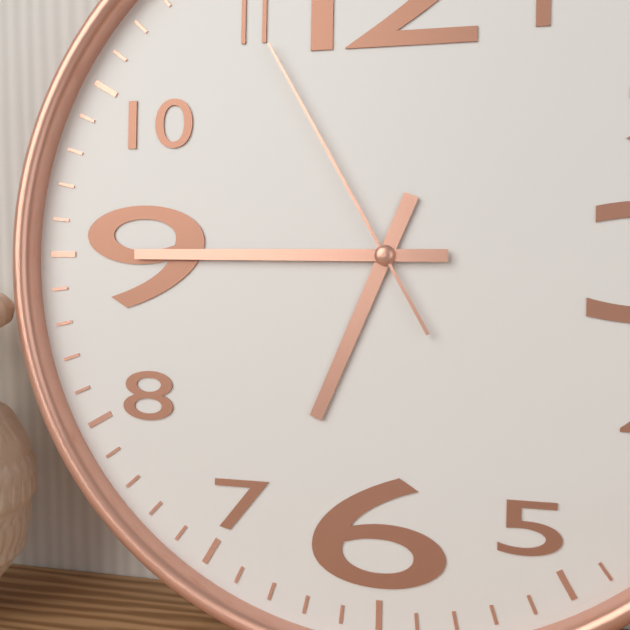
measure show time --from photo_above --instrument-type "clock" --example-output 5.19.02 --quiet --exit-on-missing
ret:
6.45.55
